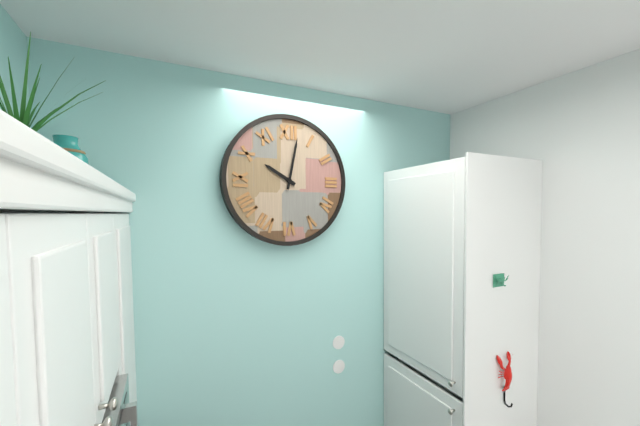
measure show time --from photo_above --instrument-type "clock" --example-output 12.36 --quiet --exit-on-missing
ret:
10.02
